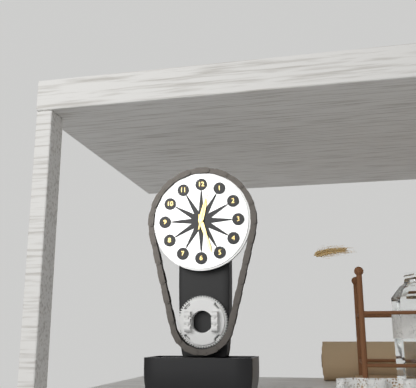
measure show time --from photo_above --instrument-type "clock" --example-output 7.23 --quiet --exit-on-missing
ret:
12.27
